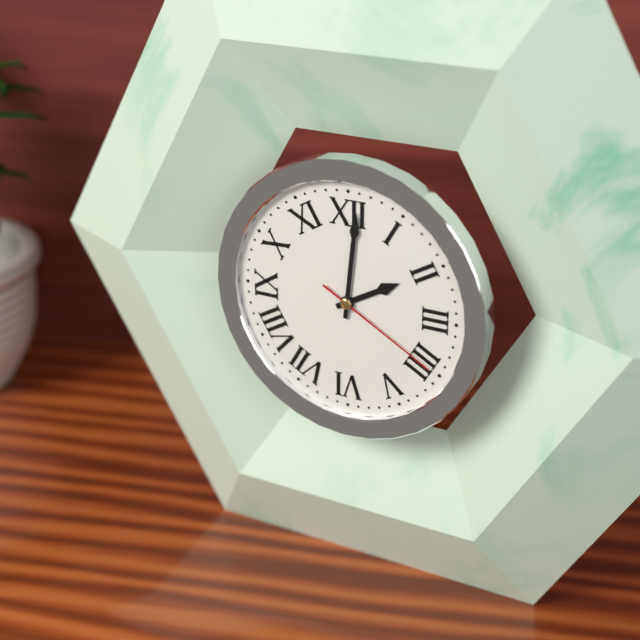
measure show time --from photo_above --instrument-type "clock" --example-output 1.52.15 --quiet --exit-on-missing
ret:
2.01.20
